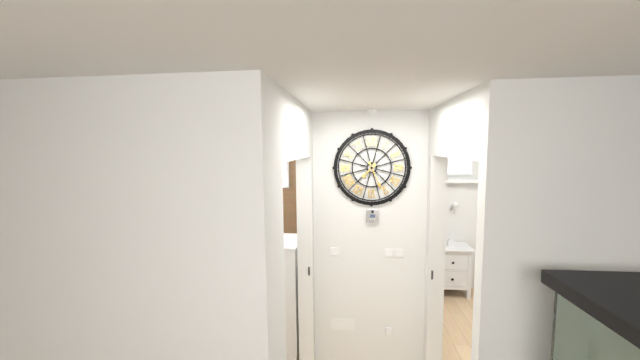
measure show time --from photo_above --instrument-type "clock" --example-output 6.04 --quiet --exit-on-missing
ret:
7.26
